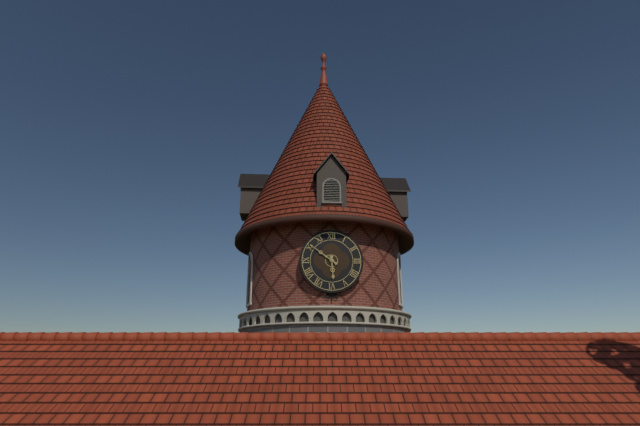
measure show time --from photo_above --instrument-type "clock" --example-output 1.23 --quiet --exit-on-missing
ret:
5.51
